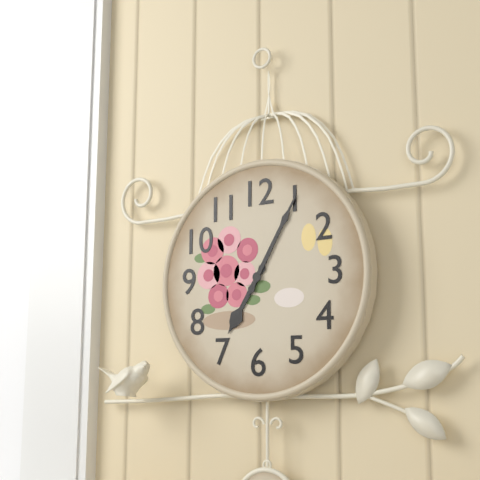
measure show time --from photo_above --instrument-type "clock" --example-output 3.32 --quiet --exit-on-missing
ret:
7.05
